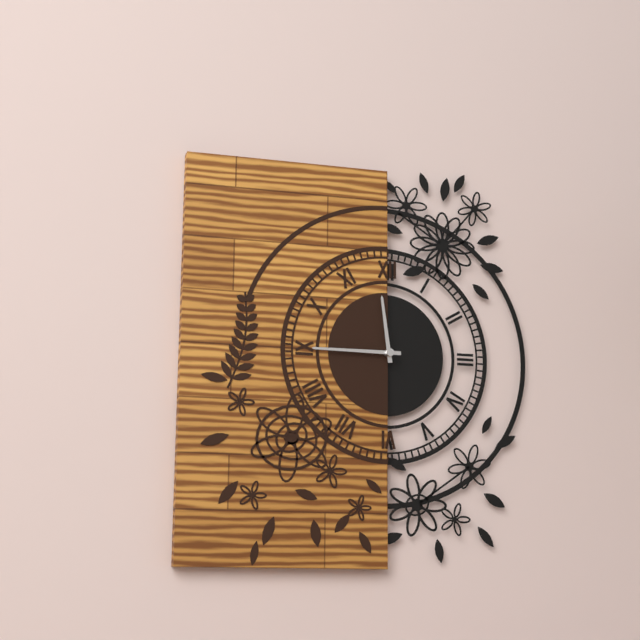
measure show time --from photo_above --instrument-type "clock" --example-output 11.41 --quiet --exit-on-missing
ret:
11.45
